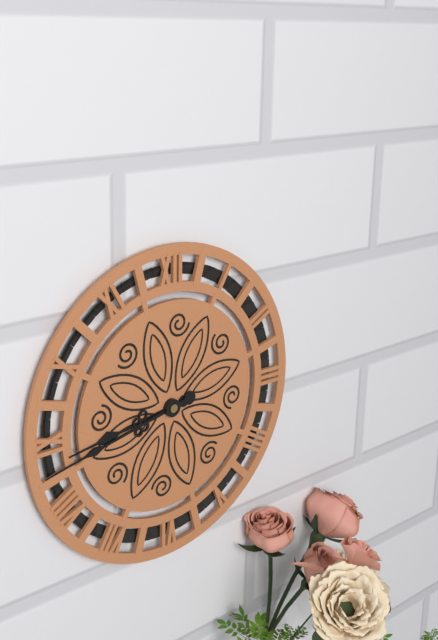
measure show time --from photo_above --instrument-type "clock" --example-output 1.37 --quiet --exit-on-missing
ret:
8.43
